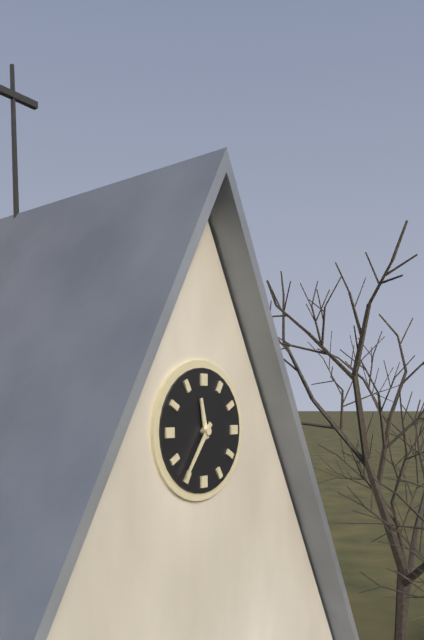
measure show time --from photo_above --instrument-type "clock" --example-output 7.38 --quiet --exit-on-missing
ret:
11.36
